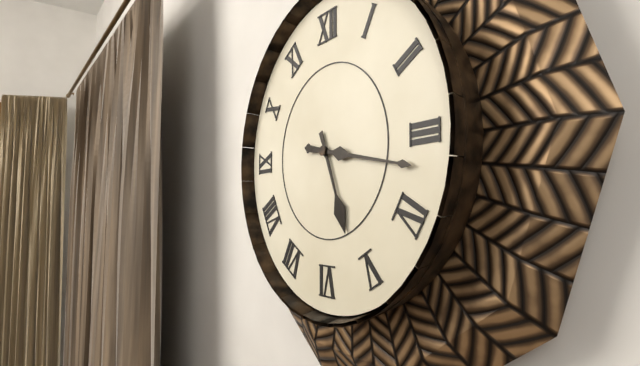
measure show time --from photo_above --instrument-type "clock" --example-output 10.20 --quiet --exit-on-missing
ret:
5.17
